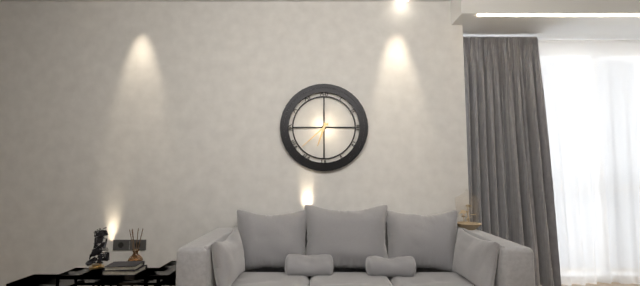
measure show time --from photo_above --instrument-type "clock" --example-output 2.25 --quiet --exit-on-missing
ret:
6.38
